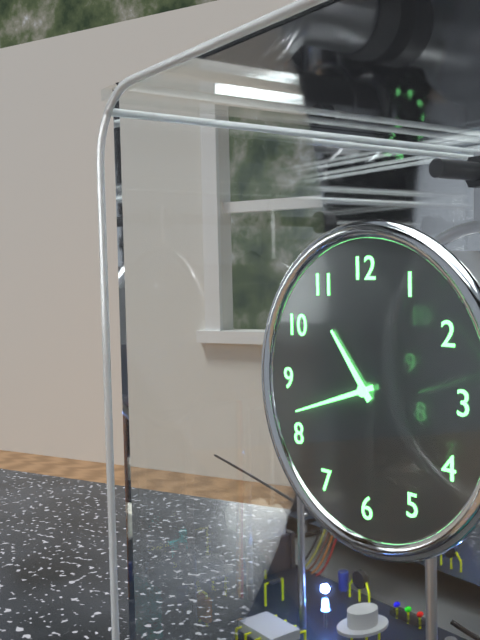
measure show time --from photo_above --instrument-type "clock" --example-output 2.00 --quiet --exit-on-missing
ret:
10.42
